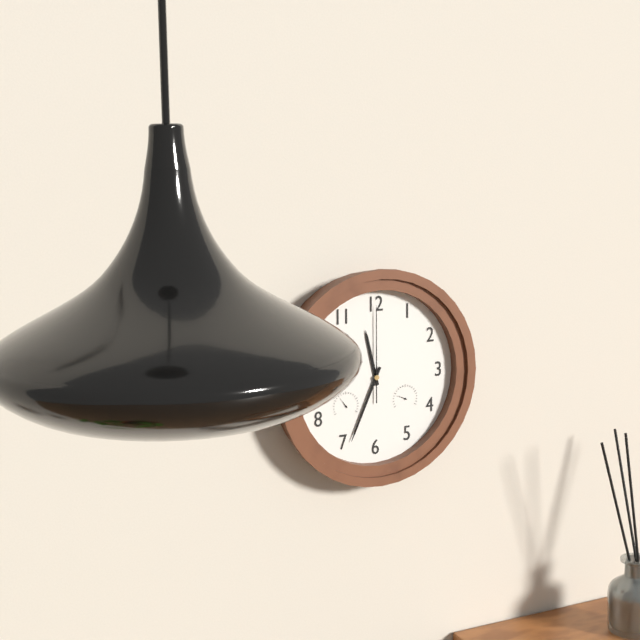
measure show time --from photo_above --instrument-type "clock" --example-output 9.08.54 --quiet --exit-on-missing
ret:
11.34.00
